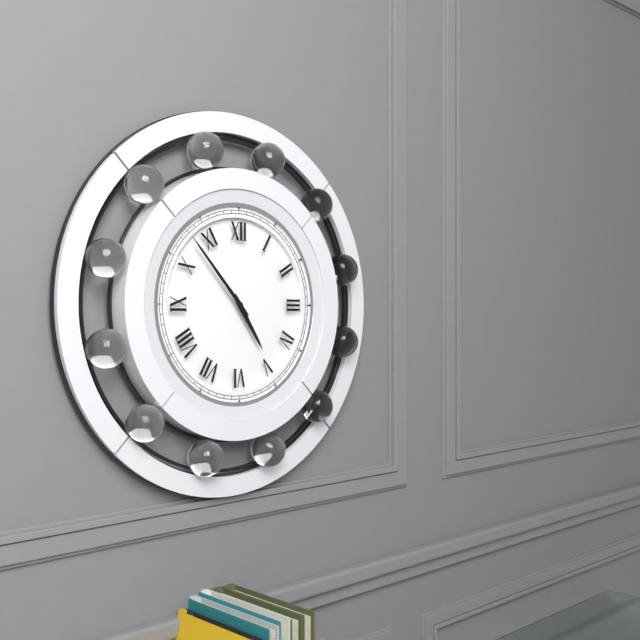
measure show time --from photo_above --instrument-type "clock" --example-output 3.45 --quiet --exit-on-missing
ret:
4.53
